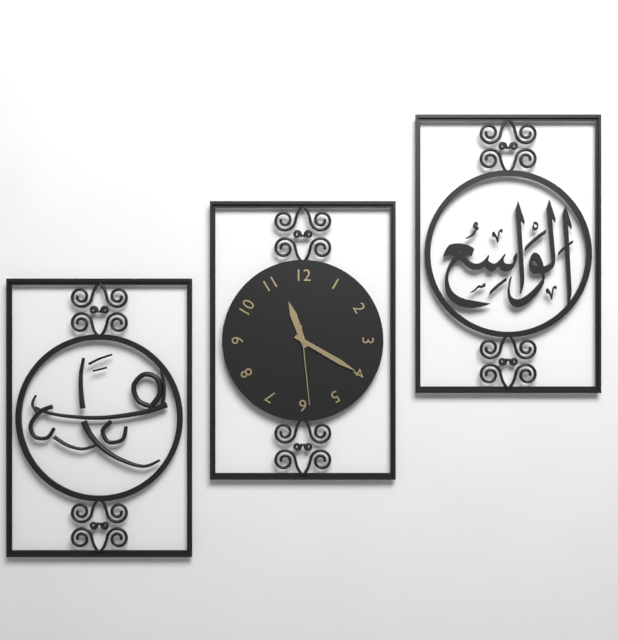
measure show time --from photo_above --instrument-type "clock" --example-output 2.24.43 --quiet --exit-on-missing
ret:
11.20.29
